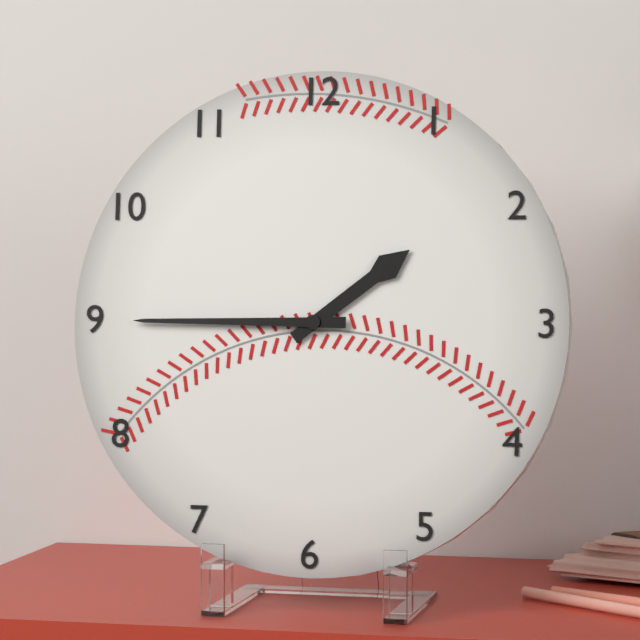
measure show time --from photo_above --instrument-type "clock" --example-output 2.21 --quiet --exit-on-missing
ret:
1.45
